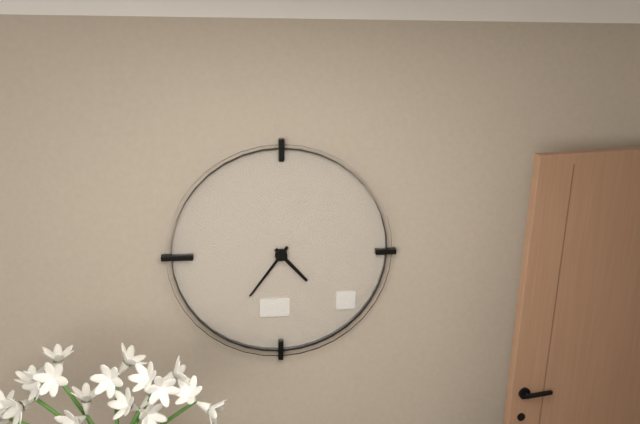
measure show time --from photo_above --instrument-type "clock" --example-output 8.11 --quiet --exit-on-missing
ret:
4.36
